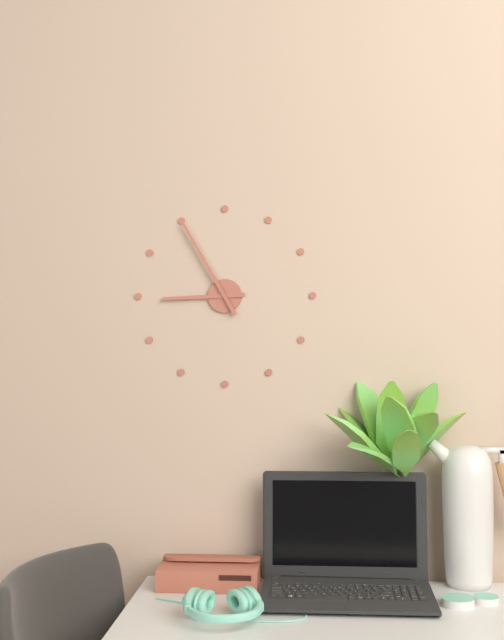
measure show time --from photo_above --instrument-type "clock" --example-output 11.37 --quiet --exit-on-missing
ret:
8.55
